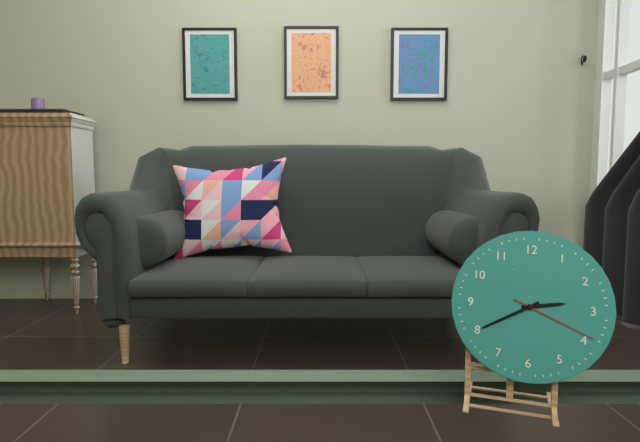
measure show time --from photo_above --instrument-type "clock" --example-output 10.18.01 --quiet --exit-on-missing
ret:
2.40.19
